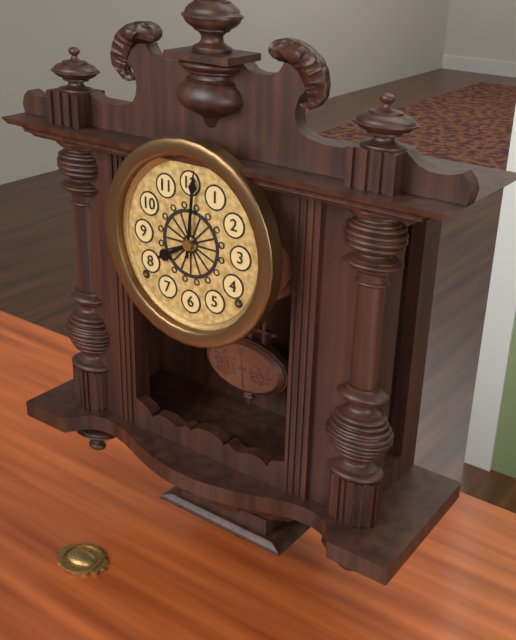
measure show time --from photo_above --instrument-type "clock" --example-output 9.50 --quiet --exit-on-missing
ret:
8.01
